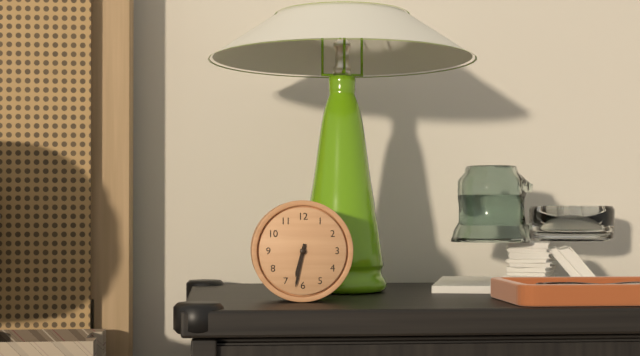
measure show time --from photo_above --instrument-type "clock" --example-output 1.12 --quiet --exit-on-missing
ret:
6.32
